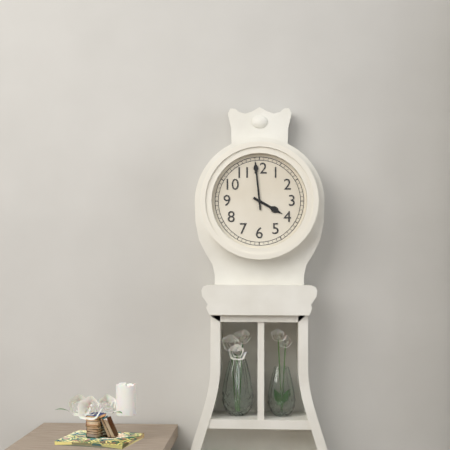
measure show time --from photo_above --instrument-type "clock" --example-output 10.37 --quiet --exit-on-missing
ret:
3.59
